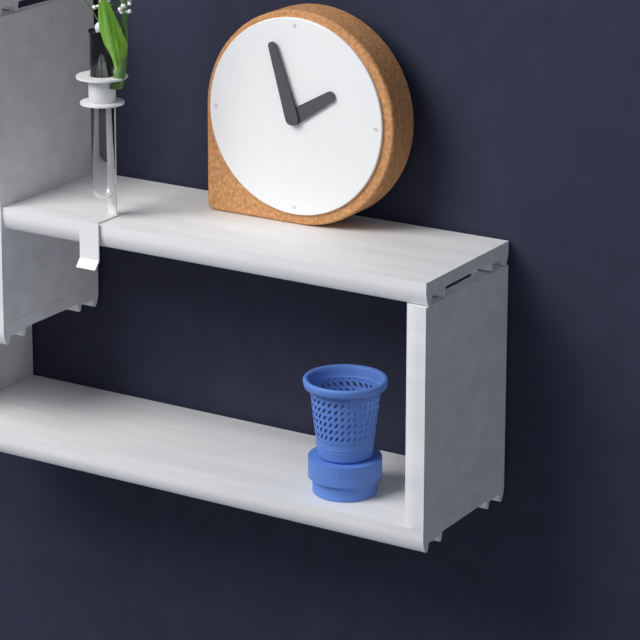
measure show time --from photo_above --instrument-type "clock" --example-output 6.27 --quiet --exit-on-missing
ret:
1.57
